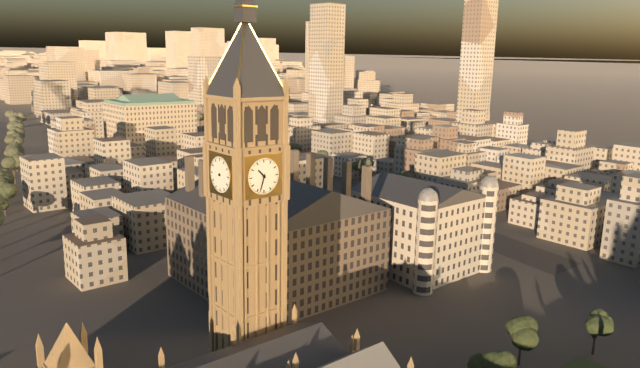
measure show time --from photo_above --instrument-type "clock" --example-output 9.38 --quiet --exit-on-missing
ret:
10.33
